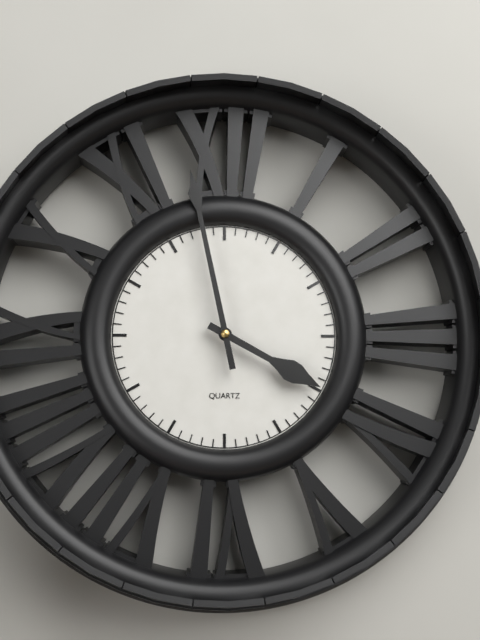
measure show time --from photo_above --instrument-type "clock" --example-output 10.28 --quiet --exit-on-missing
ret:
3.58
